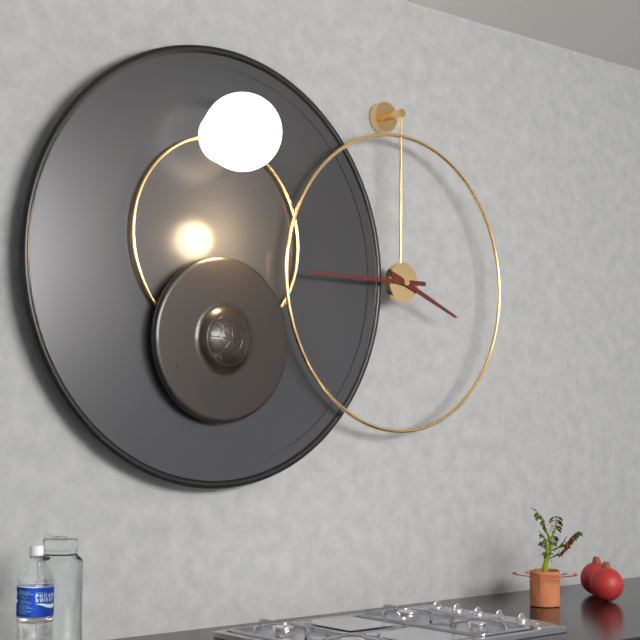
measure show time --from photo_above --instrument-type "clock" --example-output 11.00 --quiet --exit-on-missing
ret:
3.45
